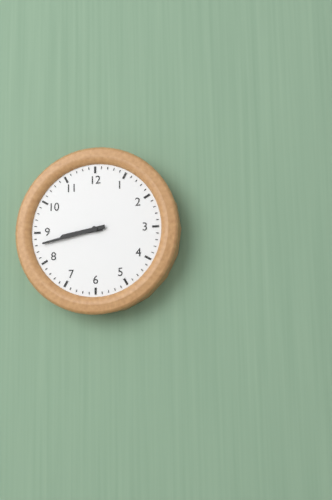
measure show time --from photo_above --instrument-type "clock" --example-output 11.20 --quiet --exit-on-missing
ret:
8.43
